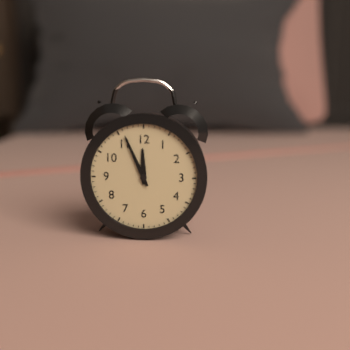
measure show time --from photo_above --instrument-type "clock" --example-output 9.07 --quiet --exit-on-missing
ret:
11.56
